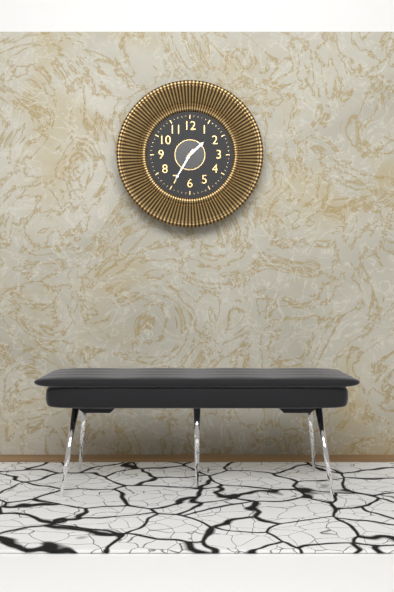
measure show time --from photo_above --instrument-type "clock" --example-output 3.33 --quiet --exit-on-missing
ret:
1.35
